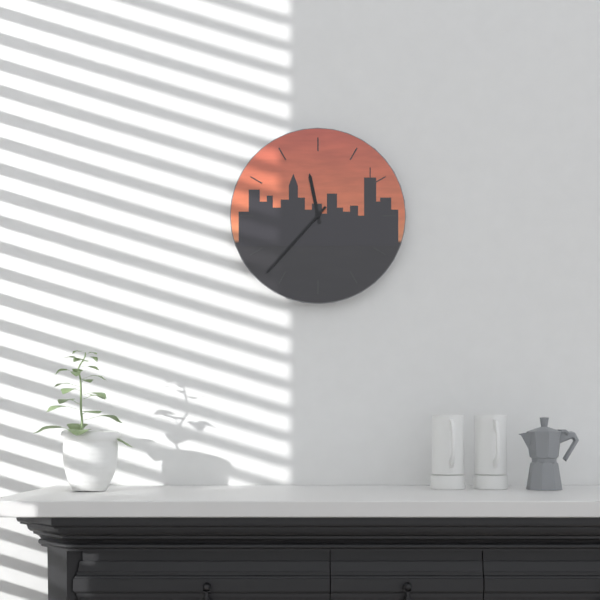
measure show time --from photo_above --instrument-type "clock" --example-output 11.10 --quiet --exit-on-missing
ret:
11.37
